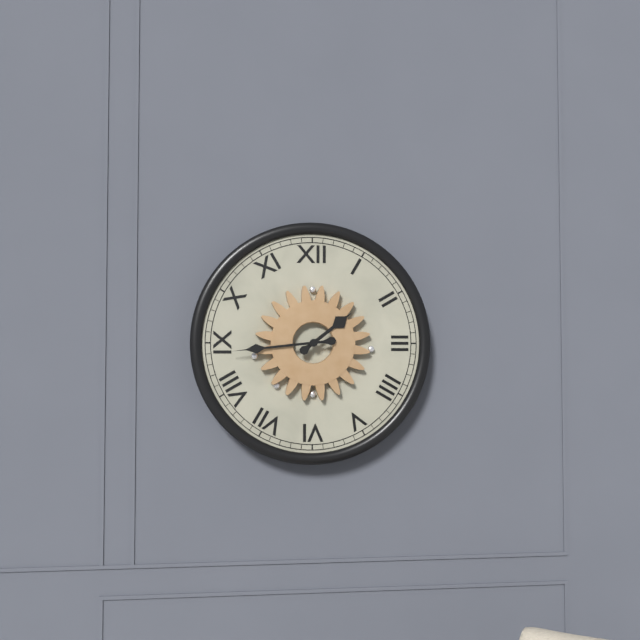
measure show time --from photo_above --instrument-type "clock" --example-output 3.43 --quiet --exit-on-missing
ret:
1.44
